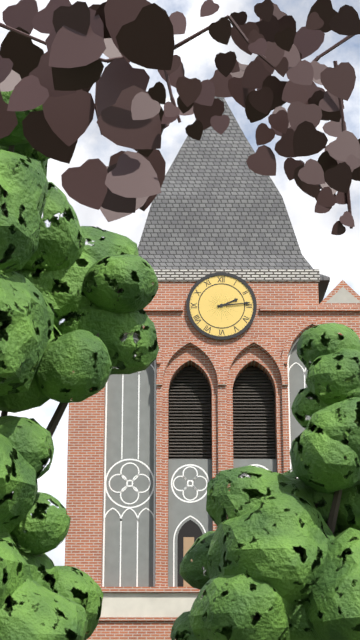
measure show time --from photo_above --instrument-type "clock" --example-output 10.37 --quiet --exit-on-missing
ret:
2.14
